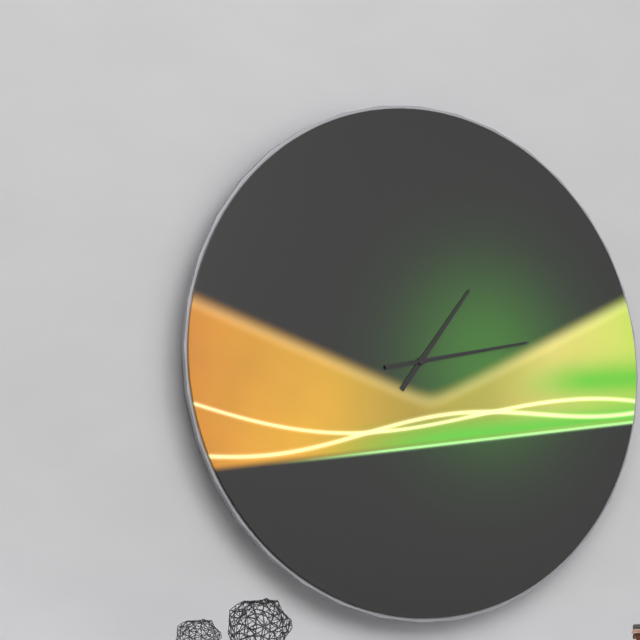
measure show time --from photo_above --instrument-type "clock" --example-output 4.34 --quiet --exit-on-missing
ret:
1.13
